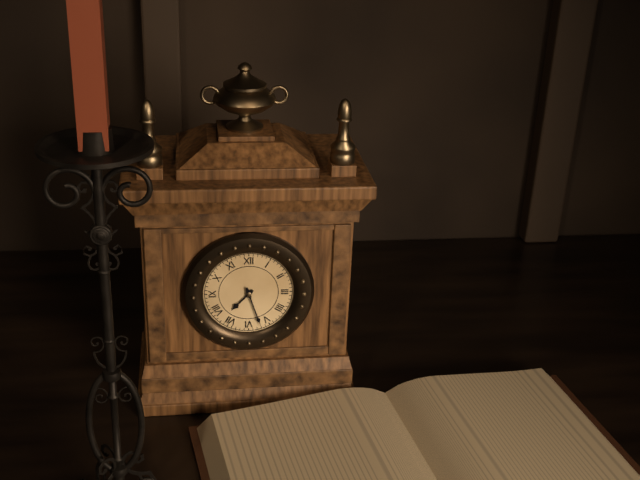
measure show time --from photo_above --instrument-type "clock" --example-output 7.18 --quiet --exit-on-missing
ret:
7.27
